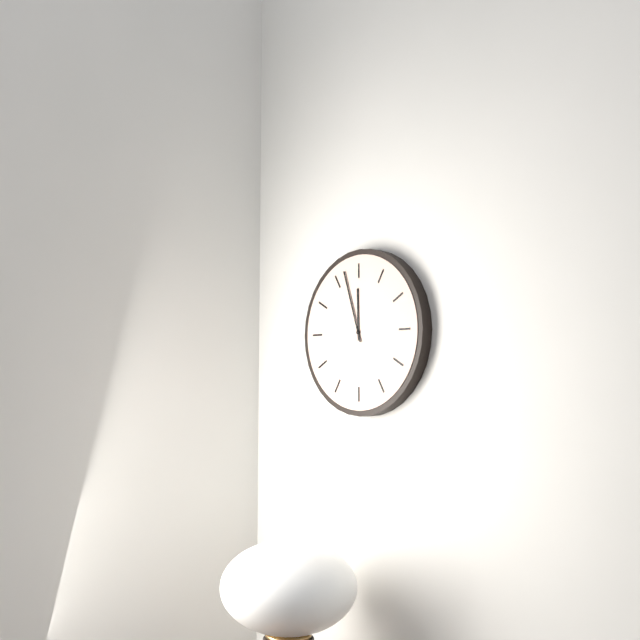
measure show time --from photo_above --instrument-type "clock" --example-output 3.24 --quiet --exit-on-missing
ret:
11.57
